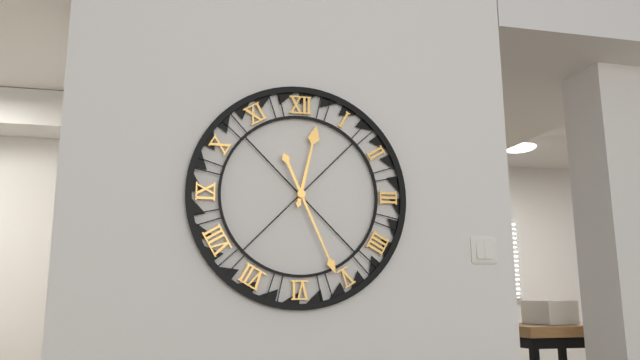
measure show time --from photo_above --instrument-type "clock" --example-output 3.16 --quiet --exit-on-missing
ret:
12.26
